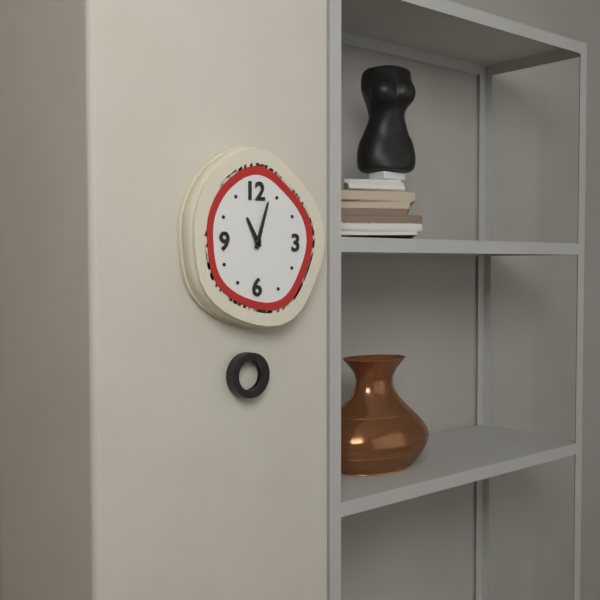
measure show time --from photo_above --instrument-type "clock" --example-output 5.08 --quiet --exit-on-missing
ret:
11.03
